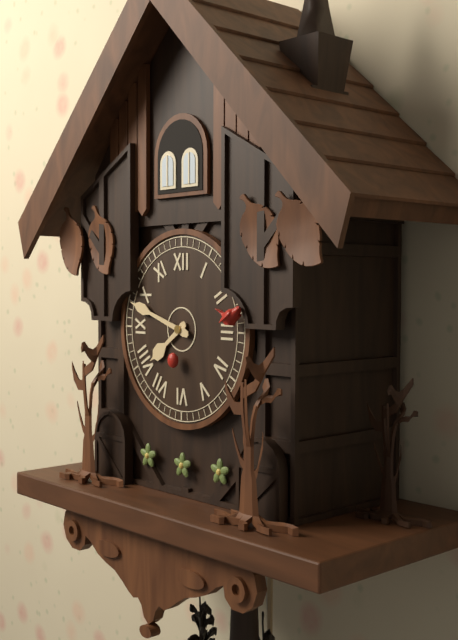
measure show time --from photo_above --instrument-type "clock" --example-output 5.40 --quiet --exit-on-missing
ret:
7.48
